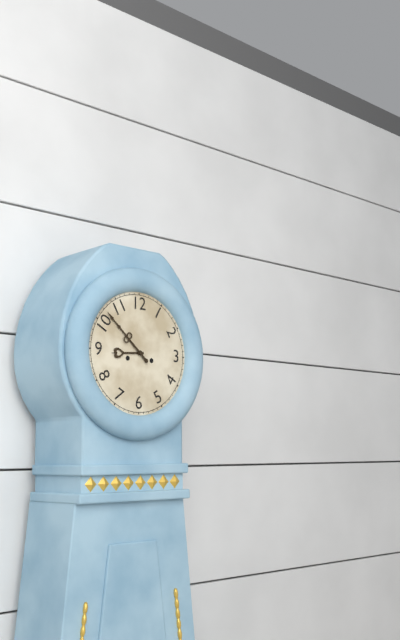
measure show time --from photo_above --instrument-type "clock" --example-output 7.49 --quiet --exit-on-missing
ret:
8.52
